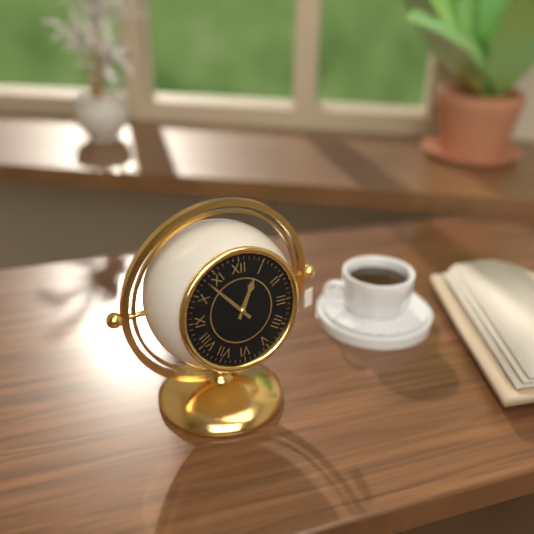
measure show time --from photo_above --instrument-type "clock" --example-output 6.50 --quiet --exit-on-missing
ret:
12.53
